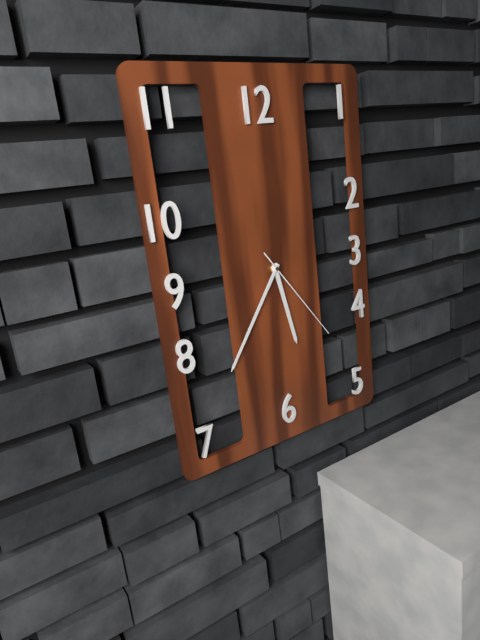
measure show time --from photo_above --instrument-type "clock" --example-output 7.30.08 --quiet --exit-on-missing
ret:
5.36.24
